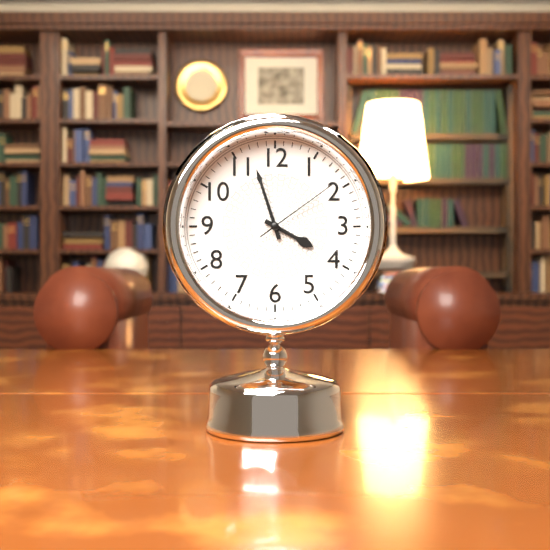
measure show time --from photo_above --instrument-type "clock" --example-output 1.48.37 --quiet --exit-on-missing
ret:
3.57.09
